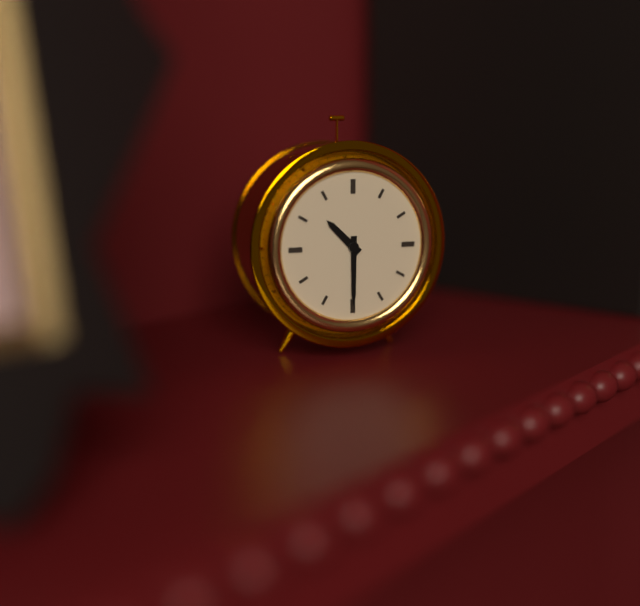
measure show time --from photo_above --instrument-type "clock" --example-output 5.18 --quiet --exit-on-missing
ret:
10.30
